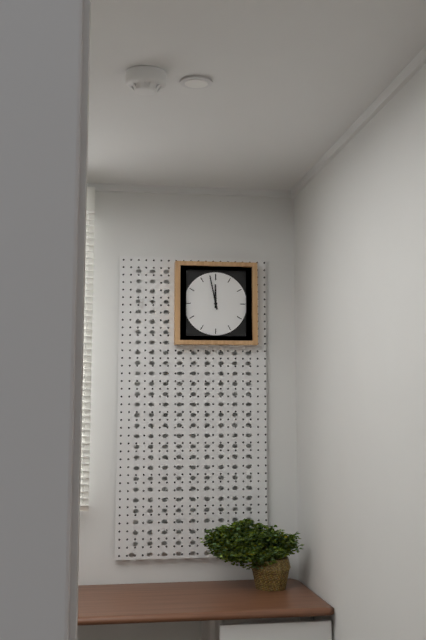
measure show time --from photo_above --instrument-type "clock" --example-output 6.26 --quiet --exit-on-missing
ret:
11.58
